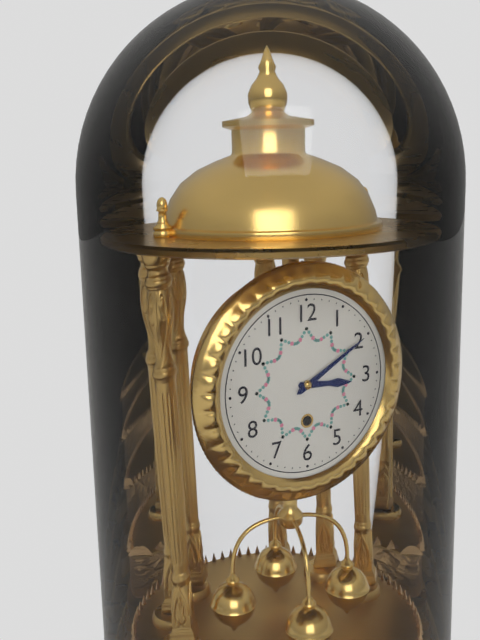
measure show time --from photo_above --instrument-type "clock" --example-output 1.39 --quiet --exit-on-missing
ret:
3.10
